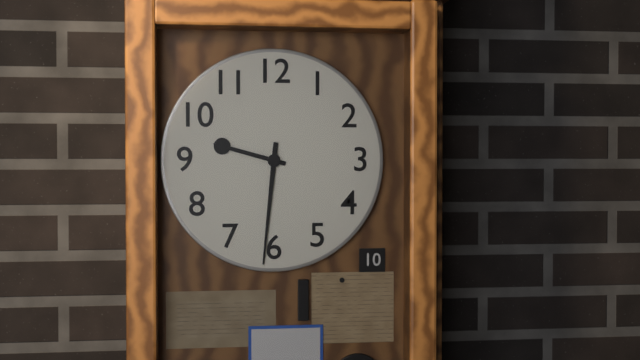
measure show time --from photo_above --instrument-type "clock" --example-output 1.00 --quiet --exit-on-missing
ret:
9.31
